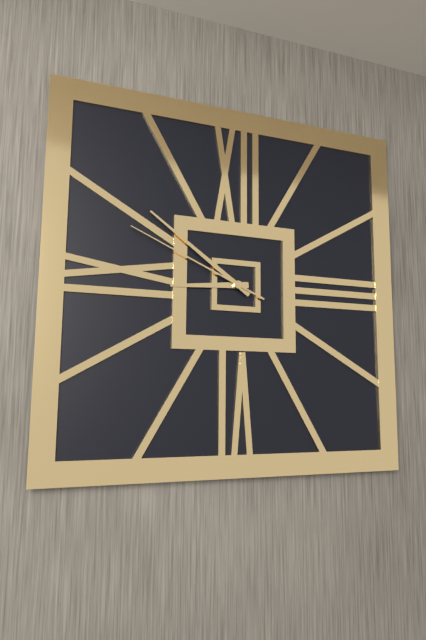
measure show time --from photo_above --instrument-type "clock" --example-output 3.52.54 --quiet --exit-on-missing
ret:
8.51.49
